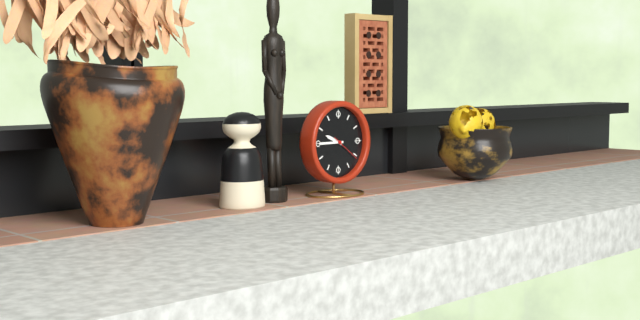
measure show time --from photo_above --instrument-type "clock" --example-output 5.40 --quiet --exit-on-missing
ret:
9.45
